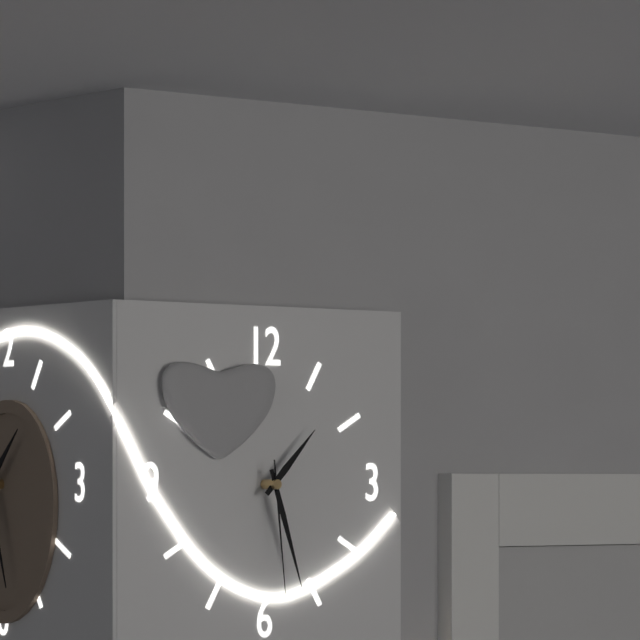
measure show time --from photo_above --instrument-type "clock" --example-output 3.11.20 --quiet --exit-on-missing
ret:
1.27.29
